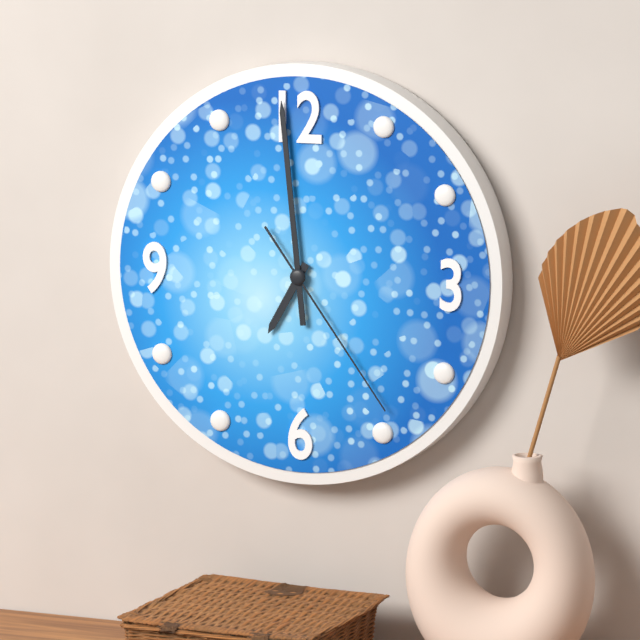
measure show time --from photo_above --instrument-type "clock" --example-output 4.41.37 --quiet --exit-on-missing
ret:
6.59.24
